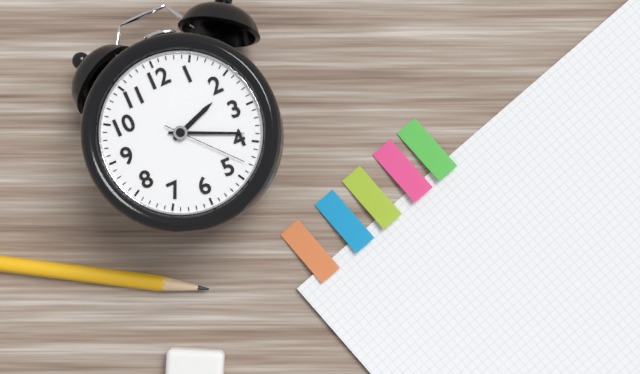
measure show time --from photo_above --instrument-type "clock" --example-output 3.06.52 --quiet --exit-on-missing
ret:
2.19.23
